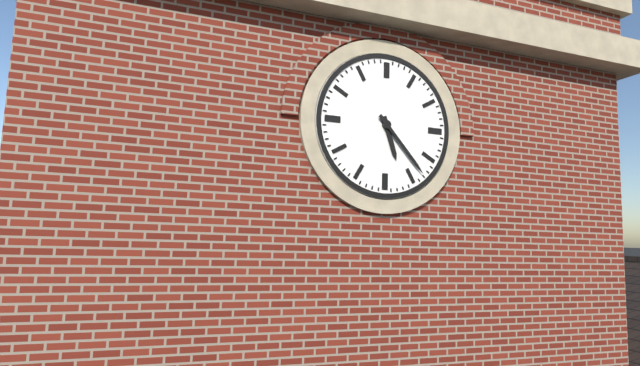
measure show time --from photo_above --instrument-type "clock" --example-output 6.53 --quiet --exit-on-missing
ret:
5.23
